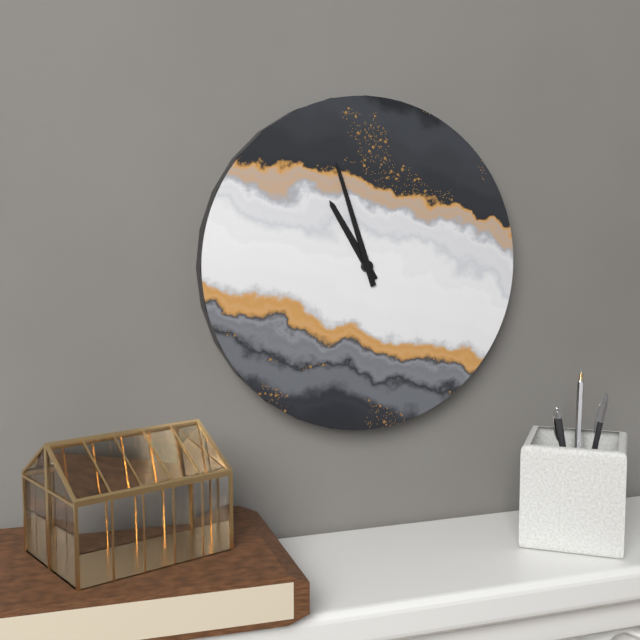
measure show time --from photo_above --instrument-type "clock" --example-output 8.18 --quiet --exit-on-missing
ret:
10.57
